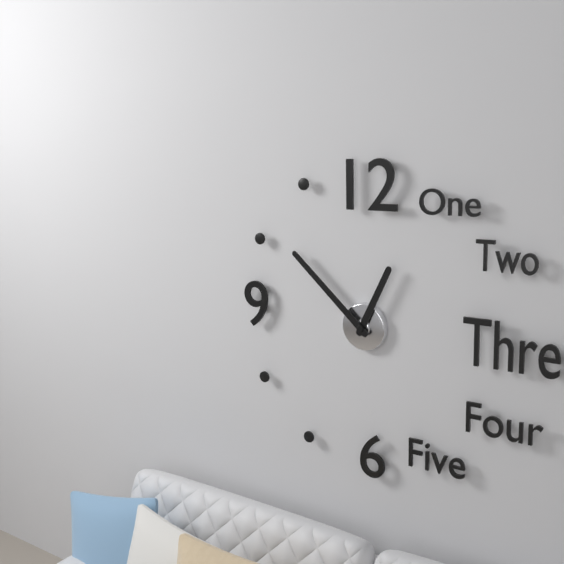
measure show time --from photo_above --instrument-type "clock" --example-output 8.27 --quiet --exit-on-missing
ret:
12.52
